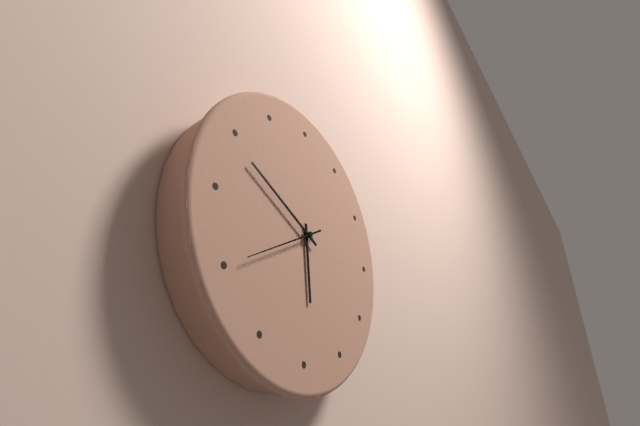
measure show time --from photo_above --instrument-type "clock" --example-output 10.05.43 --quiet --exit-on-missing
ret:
5.49.40
